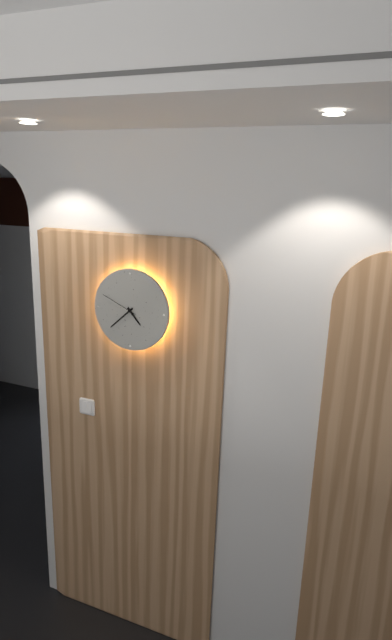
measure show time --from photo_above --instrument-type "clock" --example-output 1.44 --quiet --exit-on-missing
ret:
4.38
